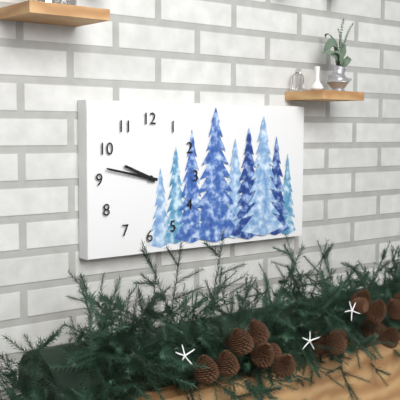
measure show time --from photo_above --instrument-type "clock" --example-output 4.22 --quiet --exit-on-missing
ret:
9.47
